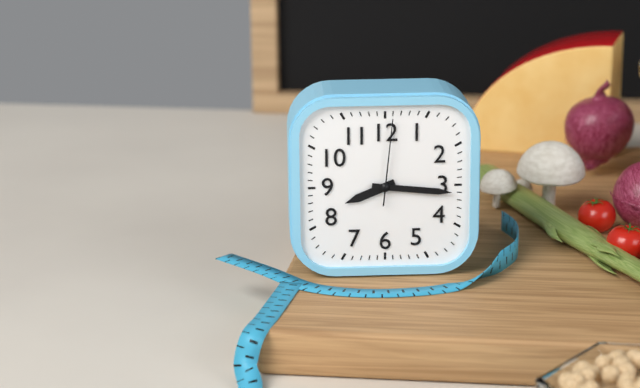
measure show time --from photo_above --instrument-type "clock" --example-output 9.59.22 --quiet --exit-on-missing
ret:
8.16.01
